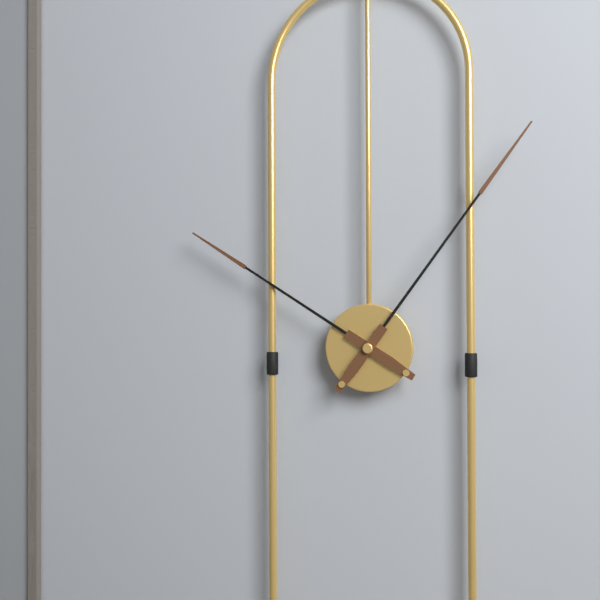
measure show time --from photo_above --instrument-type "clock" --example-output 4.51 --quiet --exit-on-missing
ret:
10.06
